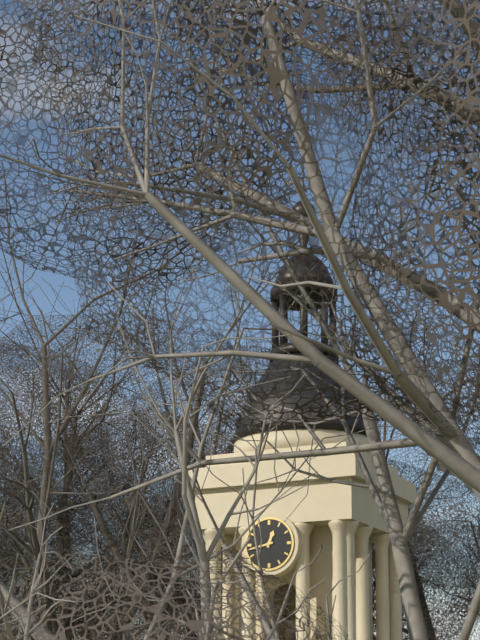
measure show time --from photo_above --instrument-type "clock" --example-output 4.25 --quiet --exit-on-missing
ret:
12.43
